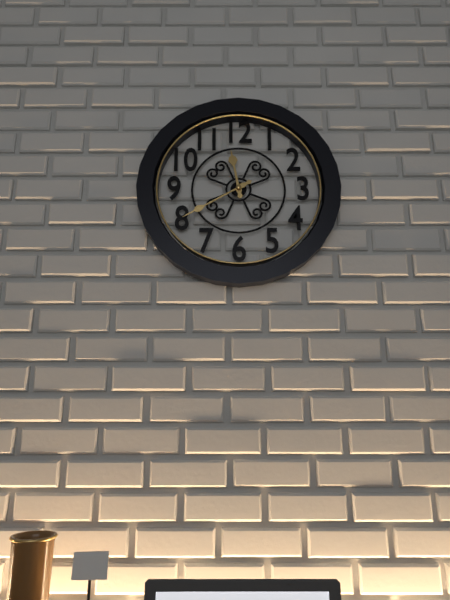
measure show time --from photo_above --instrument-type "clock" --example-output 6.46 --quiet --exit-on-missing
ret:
11.40
